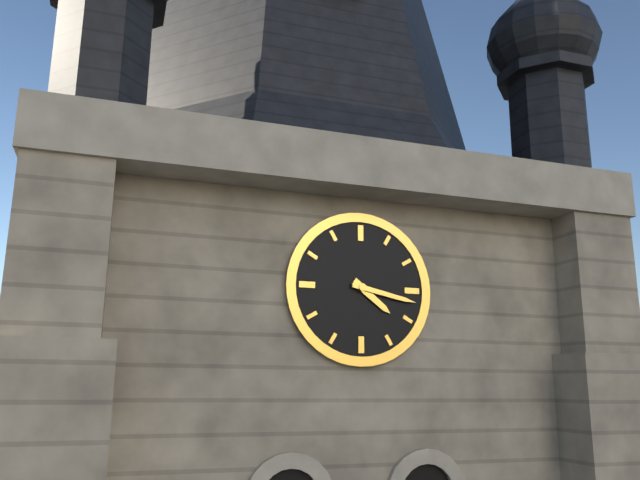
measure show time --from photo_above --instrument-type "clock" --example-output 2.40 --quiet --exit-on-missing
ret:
4.17
